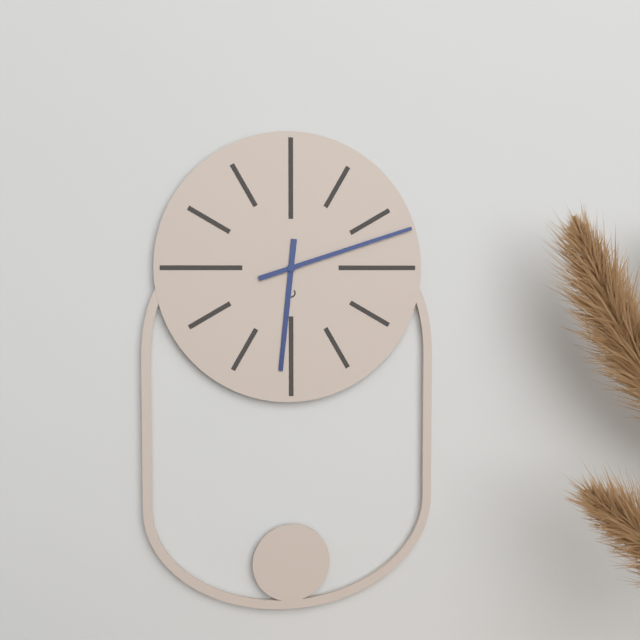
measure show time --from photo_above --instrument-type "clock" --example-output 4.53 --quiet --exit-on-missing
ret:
6.12
